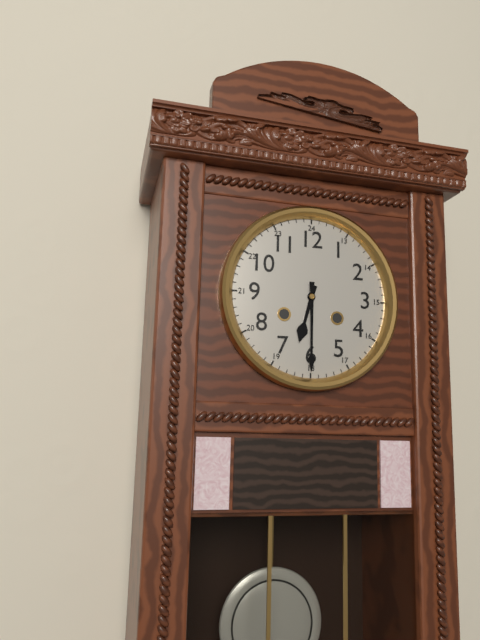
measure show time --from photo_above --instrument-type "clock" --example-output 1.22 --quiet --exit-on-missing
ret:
6.30
